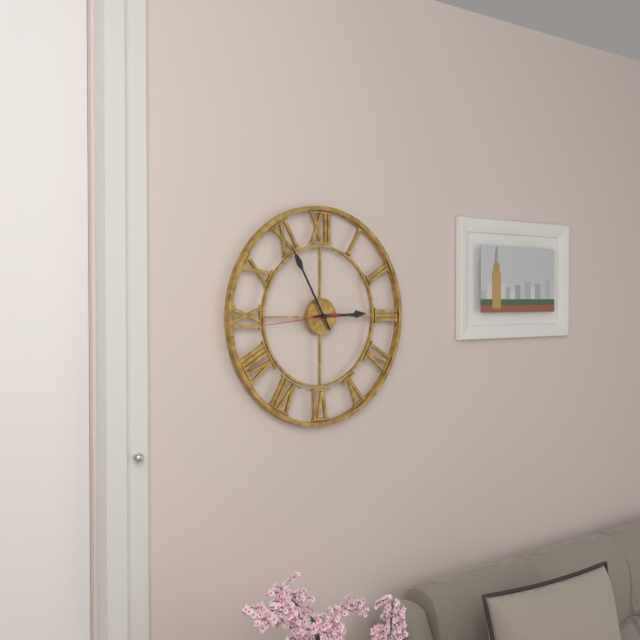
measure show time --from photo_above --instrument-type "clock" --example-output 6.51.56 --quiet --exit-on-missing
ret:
2.55.44
